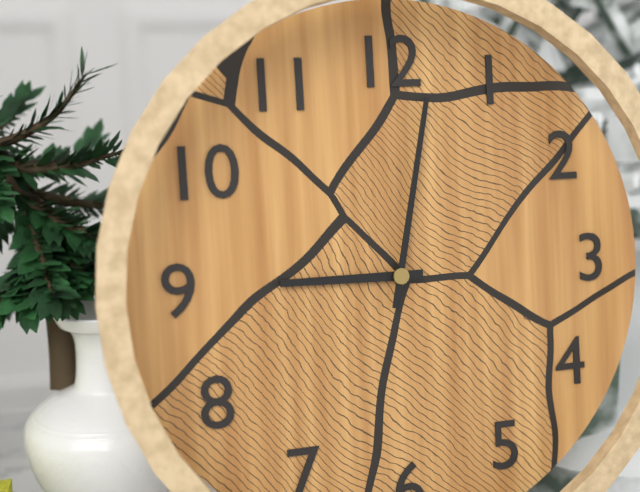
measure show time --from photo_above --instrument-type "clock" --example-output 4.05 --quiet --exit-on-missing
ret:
9.02
